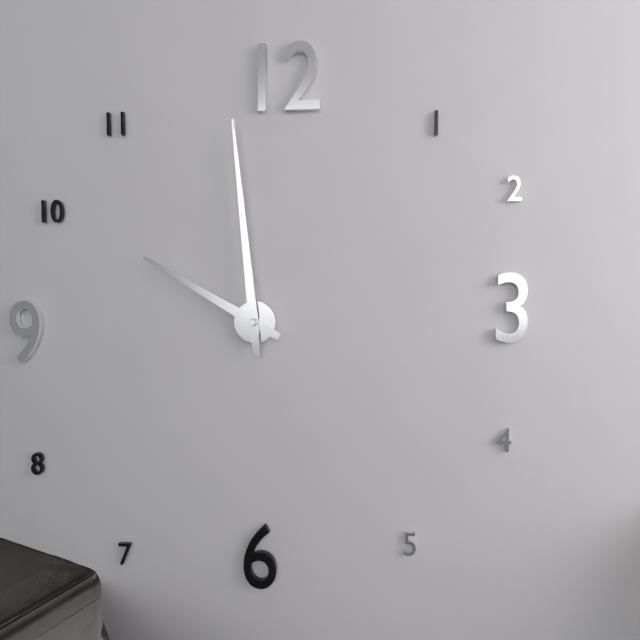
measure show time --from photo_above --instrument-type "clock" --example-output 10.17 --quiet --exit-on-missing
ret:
9.59
